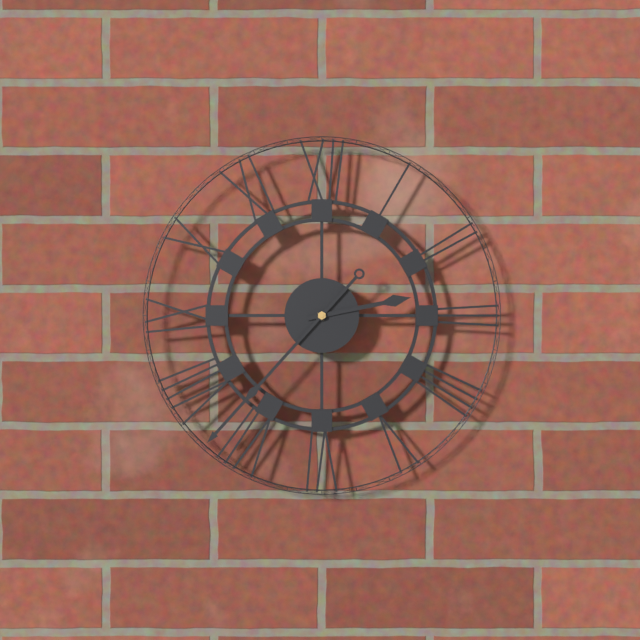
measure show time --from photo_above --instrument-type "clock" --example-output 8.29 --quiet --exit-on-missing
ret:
2.37
